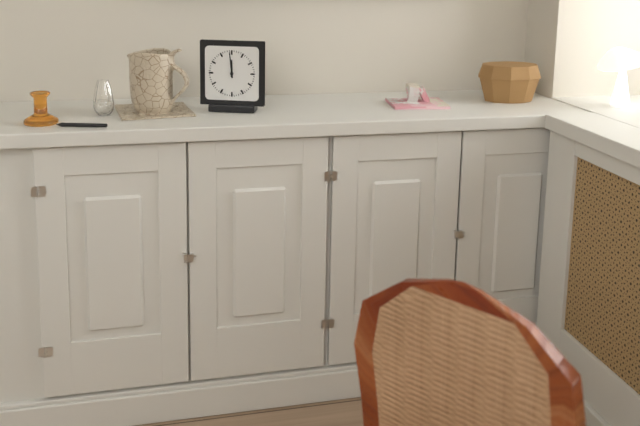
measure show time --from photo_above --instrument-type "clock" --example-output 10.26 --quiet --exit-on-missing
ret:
11.59
